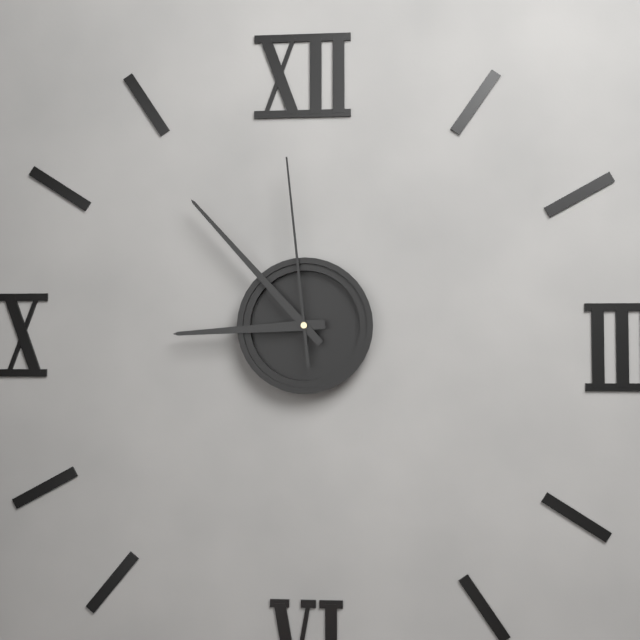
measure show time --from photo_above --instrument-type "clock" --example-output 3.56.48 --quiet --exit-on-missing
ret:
8.53.59
